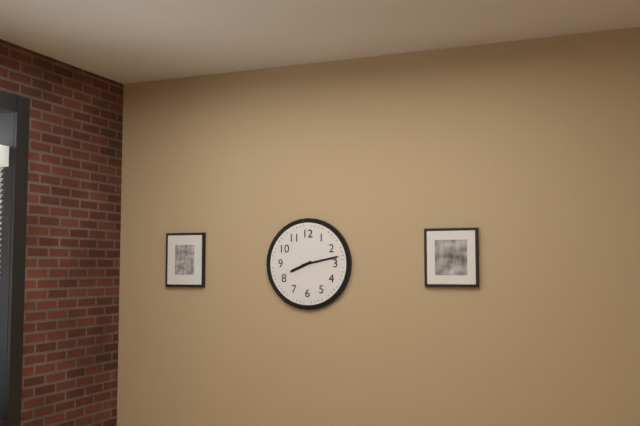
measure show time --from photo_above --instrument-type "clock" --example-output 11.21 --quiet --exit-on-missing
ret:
8.13
